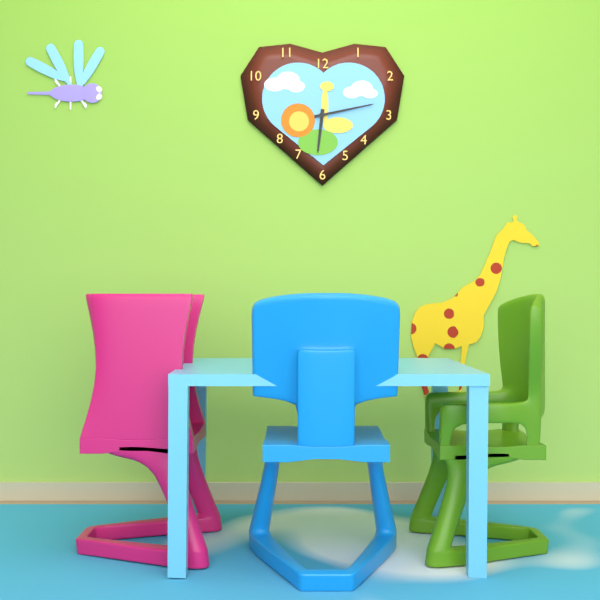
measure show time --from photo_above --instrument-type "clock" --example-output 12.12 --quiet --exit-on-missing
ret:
6.13
